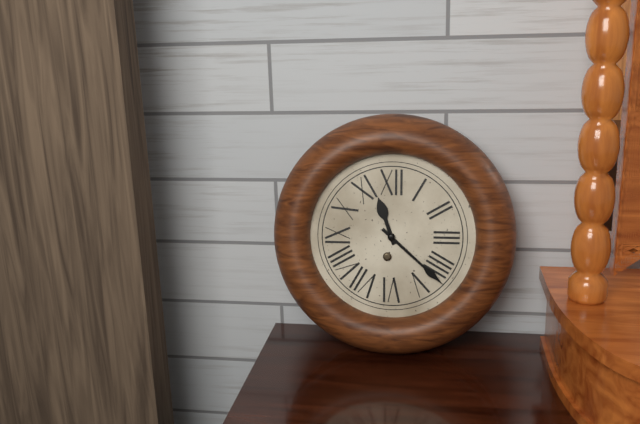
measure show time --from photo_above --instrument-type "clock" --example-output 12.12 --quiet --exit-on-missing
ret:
11.22
